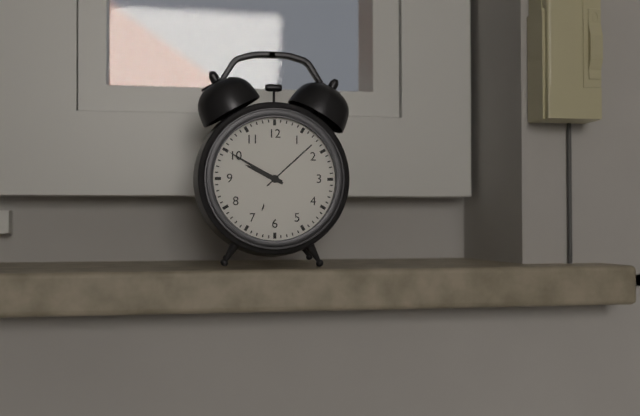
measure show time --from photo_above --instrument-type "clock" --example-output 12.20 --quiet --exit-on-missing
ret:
9.50
